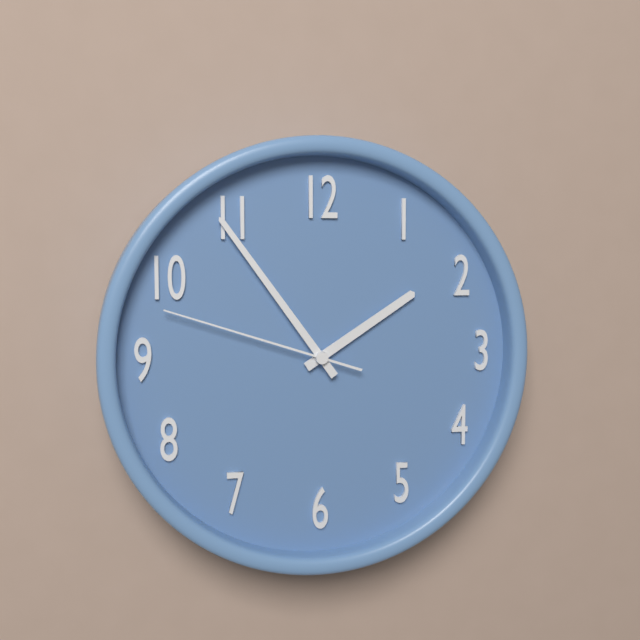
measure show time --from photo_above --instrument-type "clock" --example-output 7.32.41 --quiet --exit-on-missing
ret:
1.54.48
